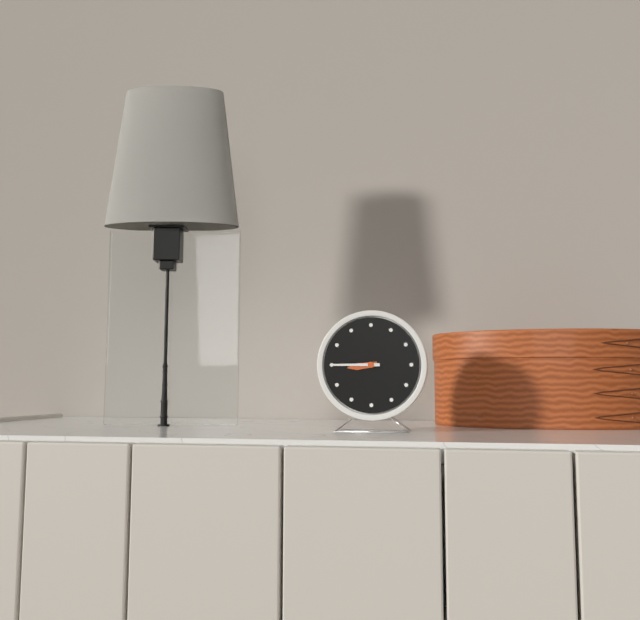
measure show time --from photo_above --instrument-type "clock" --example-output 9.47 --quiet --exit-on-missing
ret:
8.45
